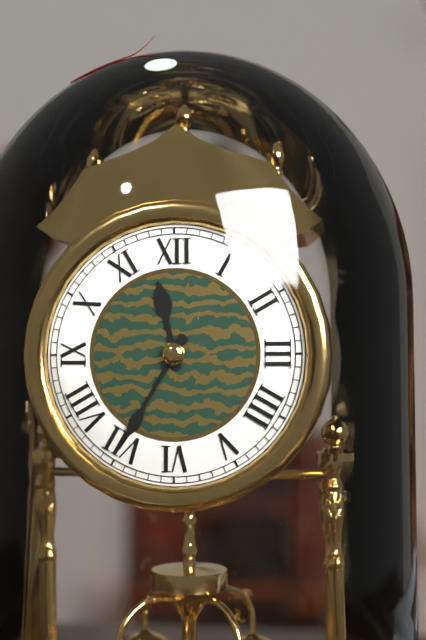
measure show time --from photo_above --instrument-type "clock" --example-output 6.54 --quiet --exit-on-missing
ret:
11.35
